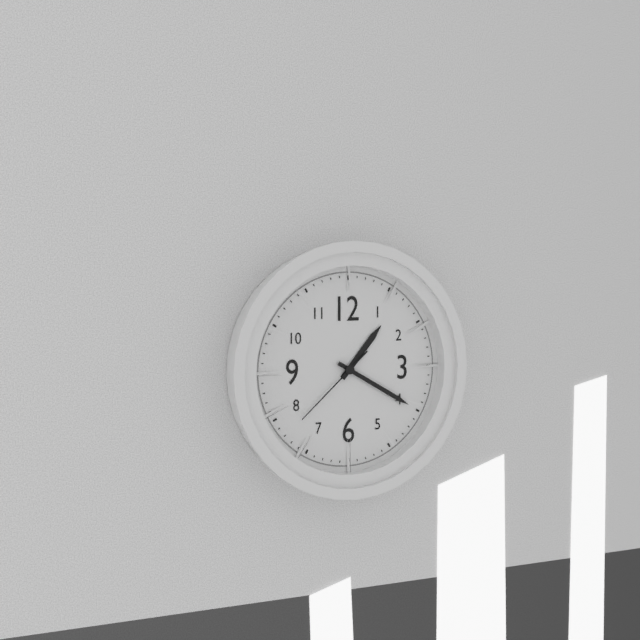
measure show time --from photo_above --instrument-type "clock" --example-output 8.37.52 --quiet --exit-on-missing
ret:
1.20.38
